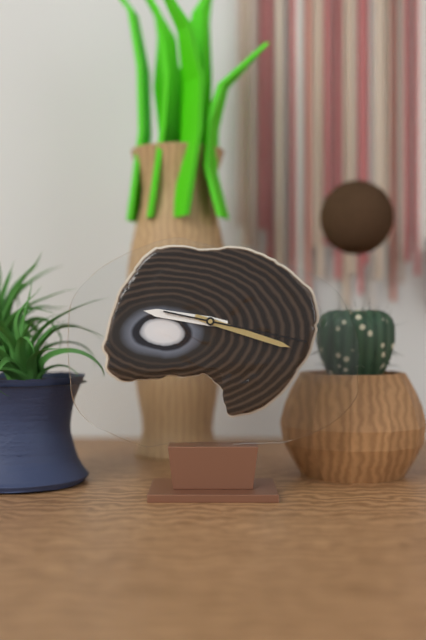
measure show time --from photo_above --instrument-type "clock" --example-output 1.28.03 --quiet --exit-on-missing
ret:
9.18.17
